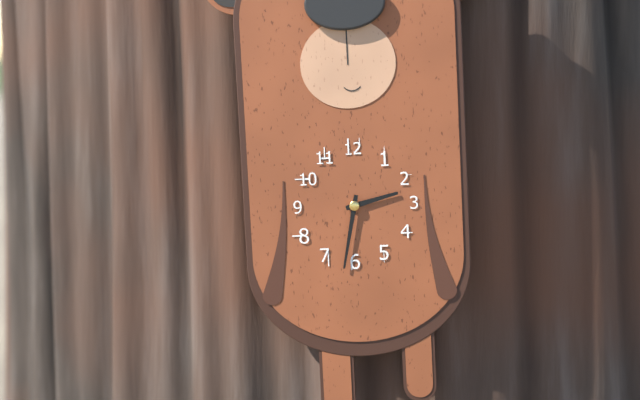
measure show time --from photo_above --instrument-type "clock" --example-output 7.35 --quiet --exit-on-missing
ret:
2.32
